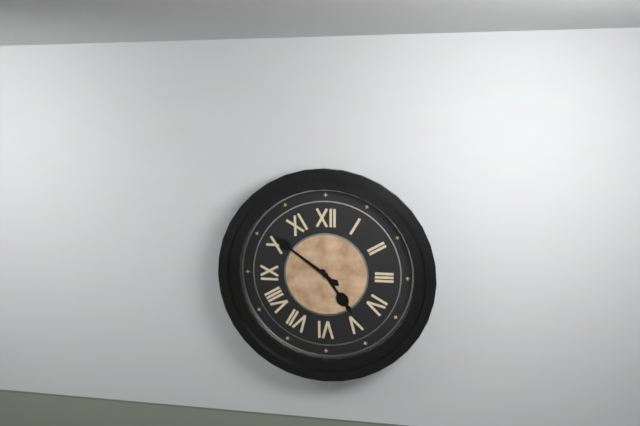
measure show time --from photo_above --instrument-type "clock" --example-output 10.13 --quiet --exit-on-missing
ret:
4.51
